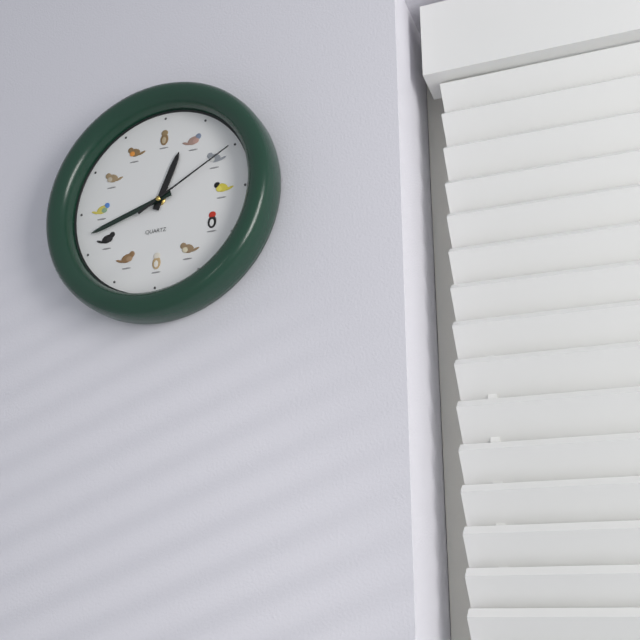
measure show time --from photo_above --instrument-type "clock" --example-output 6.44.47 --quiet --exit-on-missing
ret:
12.42.10
